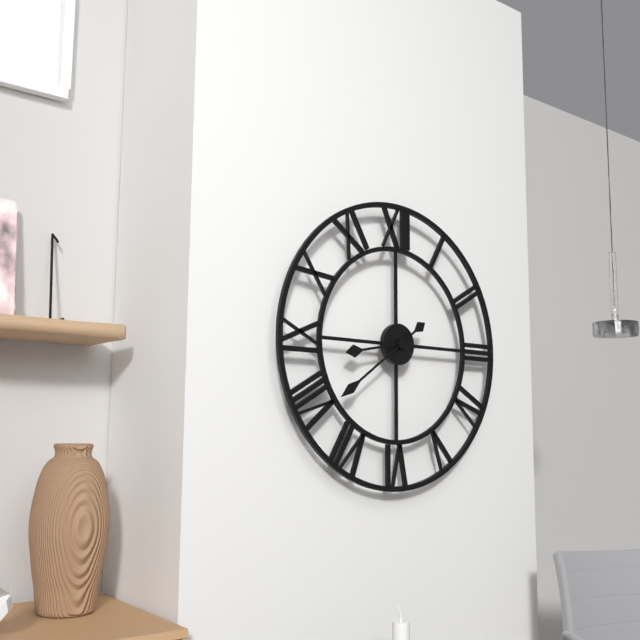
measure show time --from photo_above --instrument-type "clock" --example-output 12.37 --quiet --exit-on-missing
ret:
8.39
